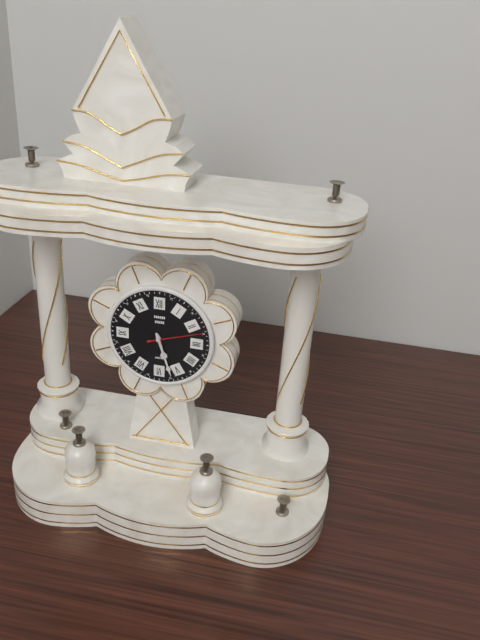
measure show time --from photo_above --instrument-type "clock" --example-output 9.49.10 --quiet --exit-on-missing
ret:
5.27.12
